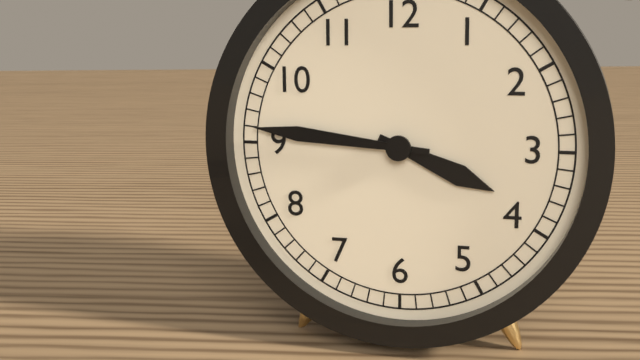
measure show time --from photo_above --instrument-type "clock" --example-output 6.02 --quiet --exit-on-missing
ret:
3.46
